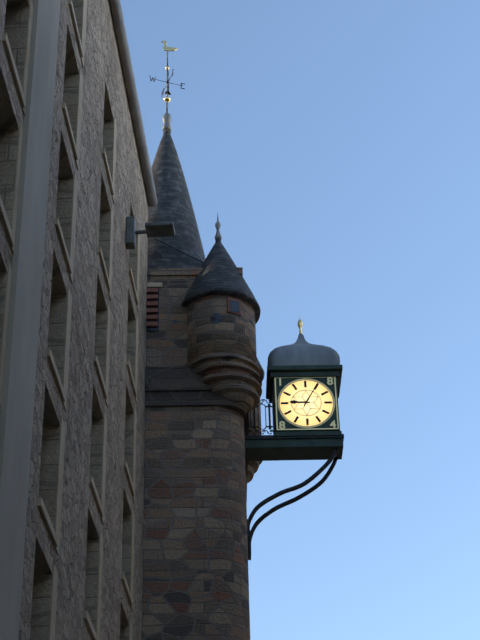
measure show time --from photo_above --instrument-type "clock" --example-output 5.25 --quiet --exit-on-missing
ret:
9.05
